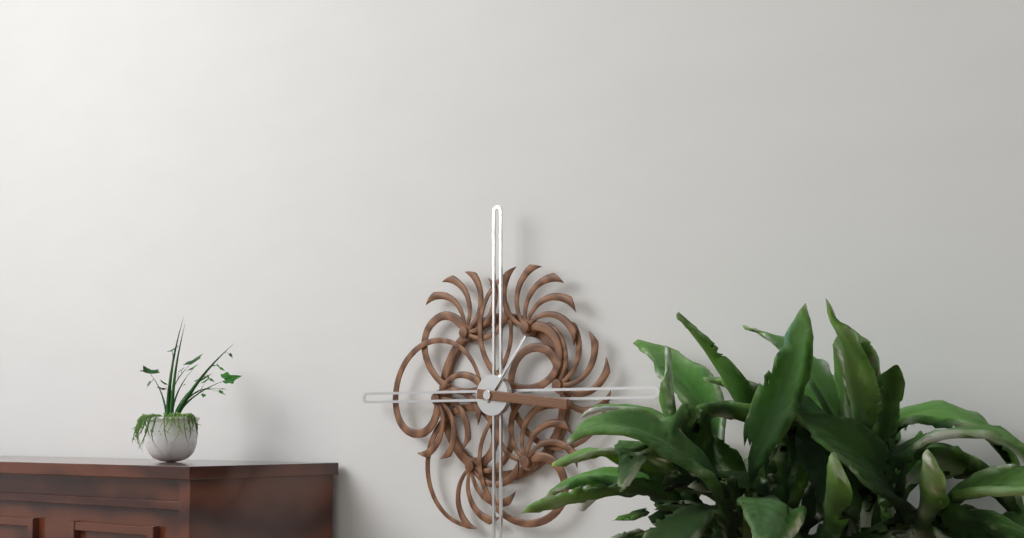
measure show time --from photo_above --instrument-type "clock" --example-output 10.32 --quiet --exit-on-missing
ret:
1.16
